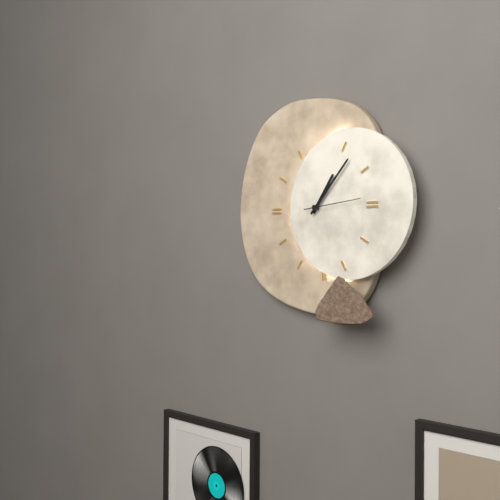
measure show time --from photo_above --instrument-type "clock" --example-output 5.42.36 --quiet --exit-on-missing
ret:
1.07.14
